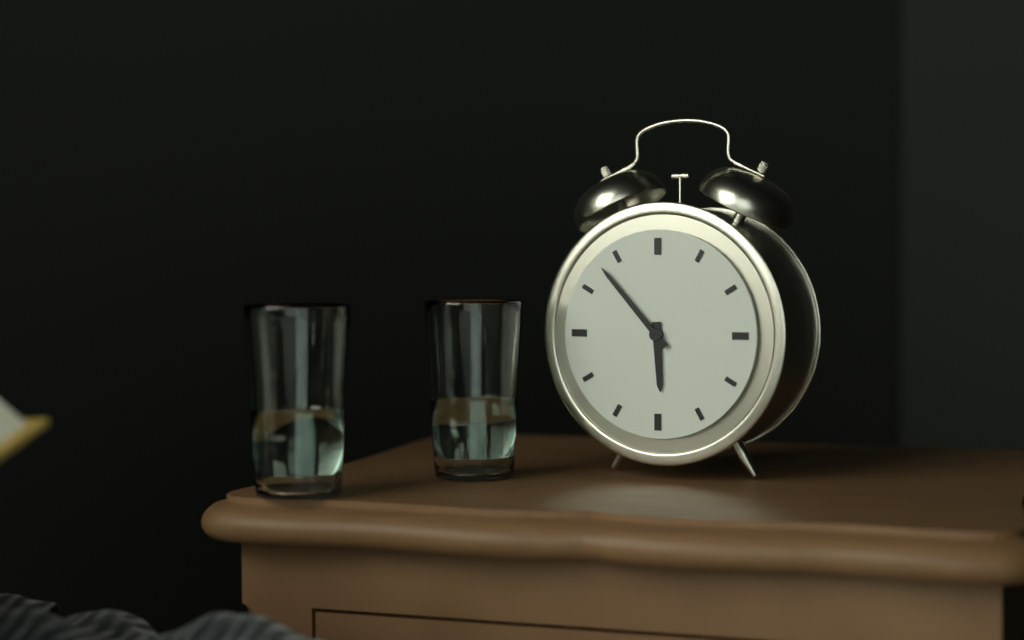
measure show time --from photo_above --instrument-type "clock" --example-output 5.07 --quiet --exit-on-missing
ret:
5.53
